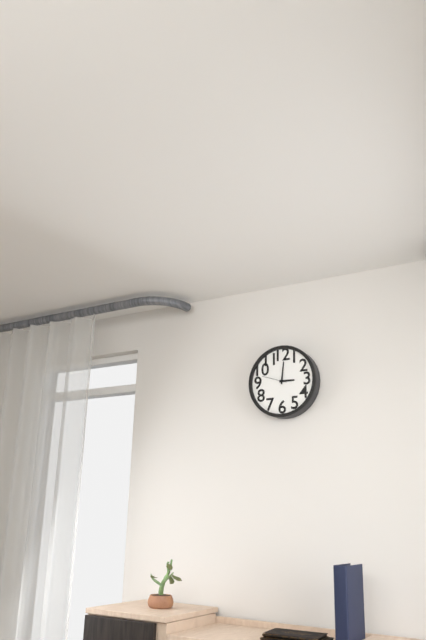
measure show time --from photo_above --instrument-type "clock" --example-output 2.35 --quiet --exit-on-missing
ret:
3.01
